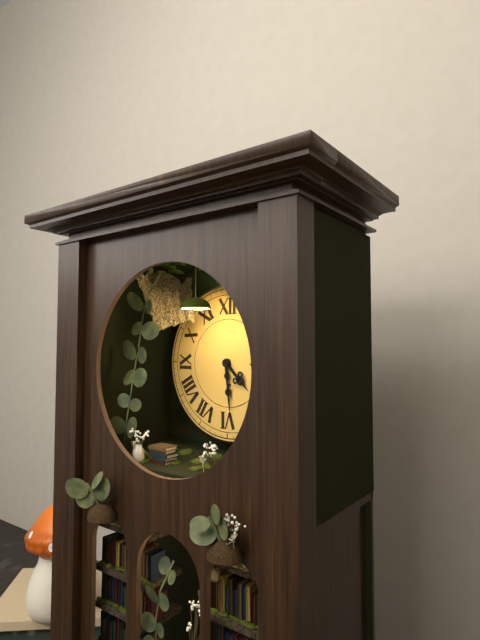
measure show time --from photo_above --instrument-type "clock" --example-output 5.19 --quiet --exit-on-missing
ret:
4.29
